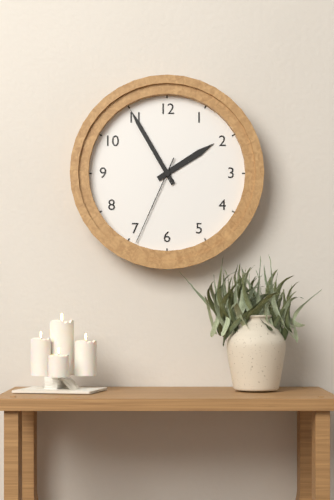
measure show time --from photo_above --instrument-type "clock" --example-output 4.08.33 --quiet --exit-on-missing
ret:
1.55.34
